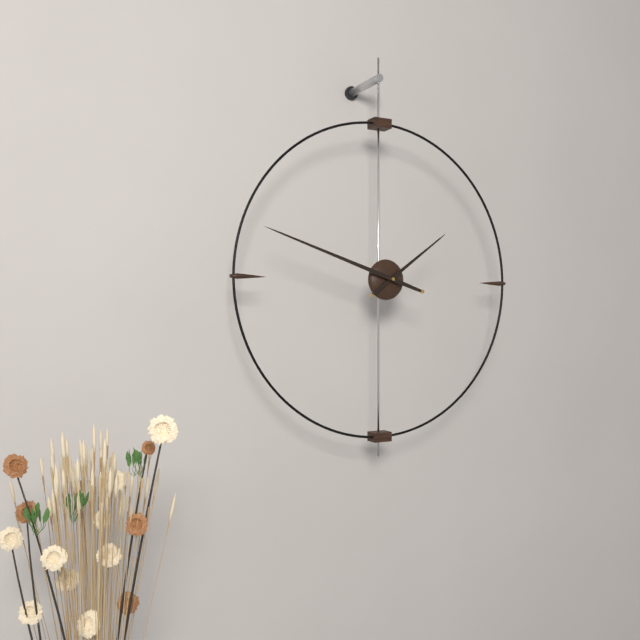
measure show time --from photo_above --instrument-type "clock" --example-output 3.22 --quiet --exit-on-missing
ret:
1.48
